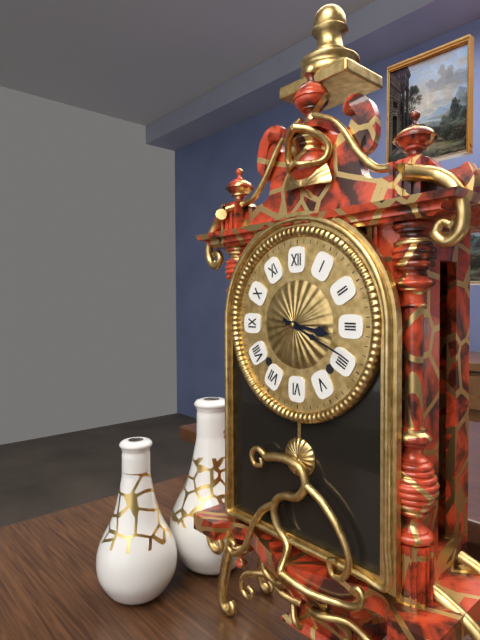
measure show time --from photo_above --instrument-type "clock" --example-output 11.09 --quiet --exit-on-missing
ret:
3.19
